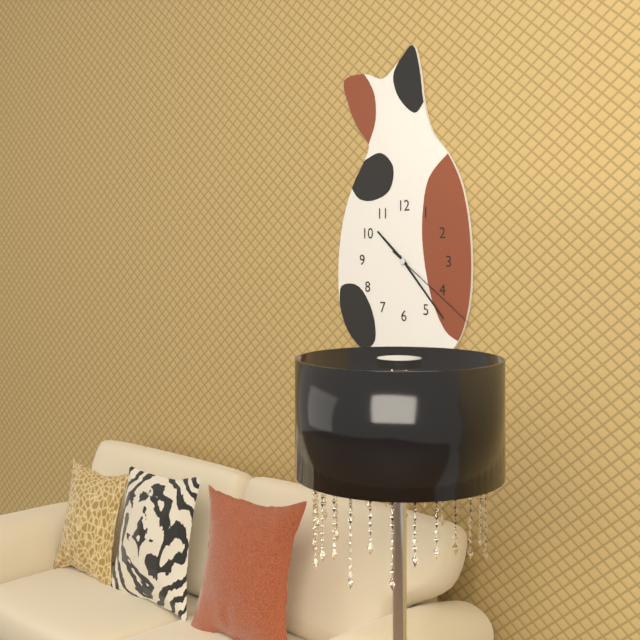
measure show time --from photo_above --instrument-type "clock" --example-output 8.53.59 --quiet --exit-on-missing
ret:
10.23.21
